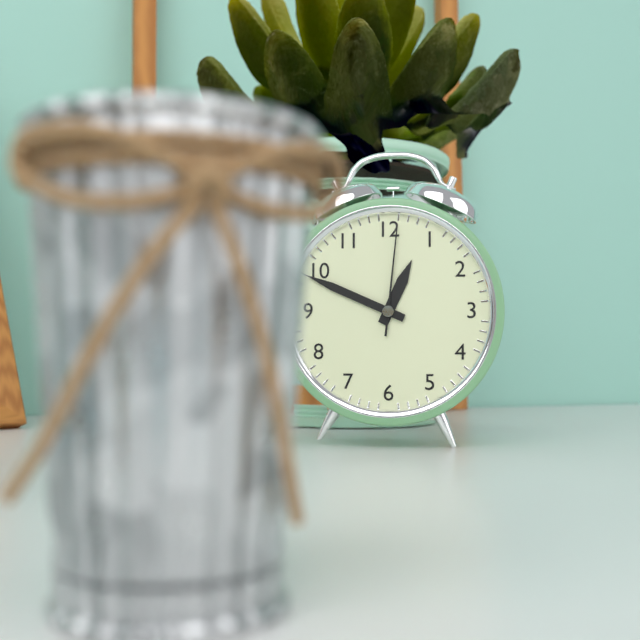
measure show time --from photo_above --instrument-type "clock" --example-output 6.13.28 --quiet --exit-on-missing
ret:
12.49.01
